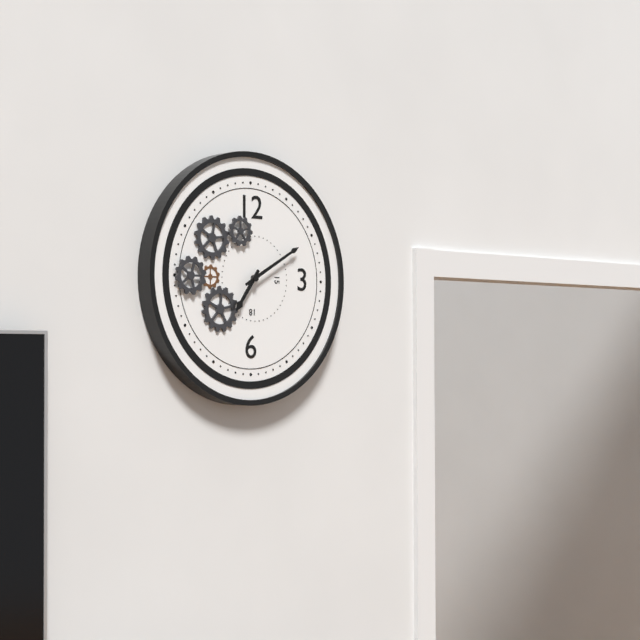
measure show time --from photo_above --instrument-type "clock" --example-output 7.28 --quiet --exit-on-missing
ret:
7.10
